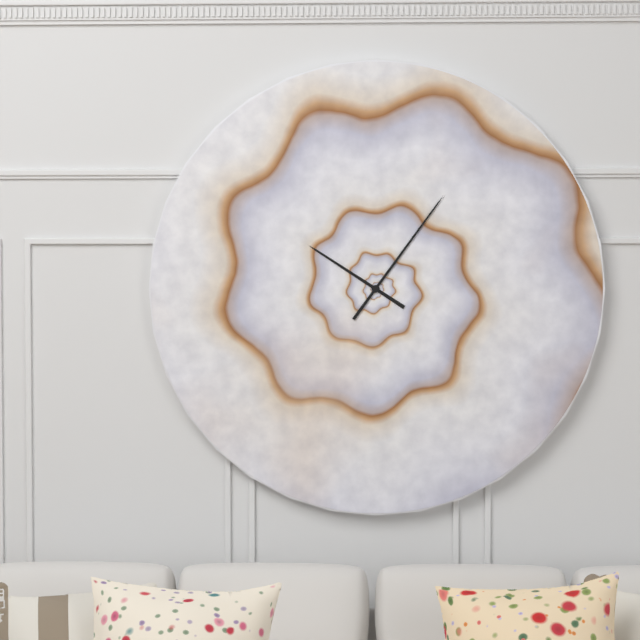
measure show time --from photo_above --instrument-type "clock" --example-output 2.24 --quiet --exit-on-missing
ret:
10.06
